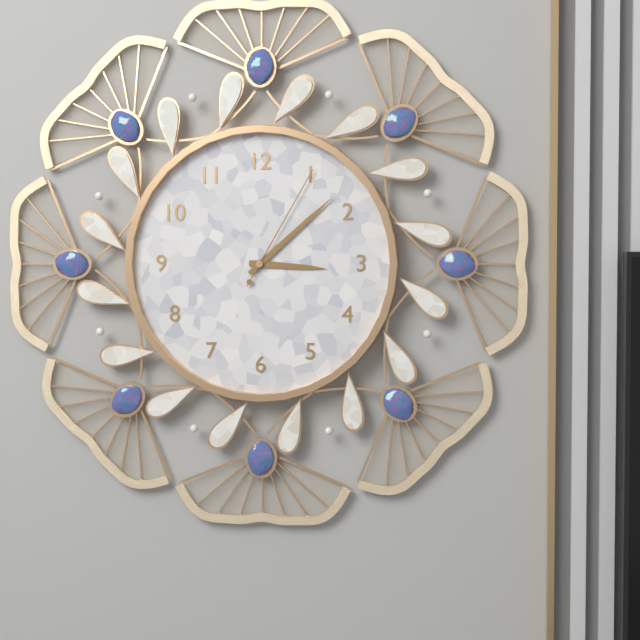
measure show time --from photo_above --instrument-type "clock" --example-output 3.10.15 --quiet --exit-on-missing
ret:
3.08.05
